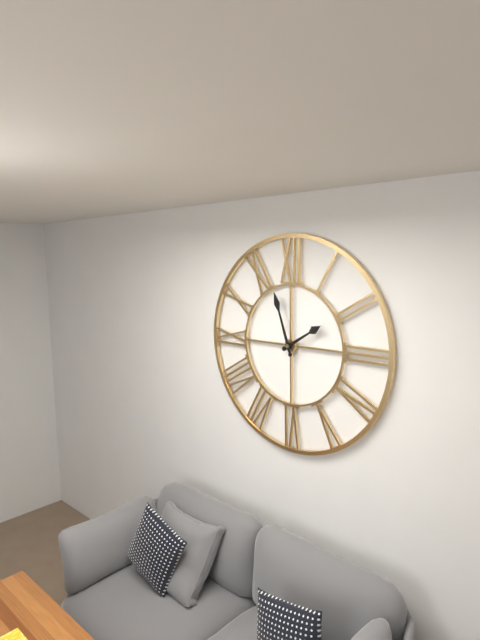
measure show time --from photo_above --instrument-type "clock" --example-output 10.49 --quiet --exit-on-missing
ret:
1.57
